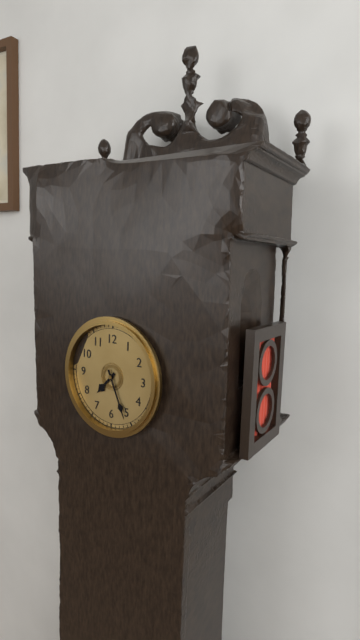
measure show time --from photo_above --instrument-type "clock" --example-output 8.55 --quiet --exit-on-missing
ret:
7.26
